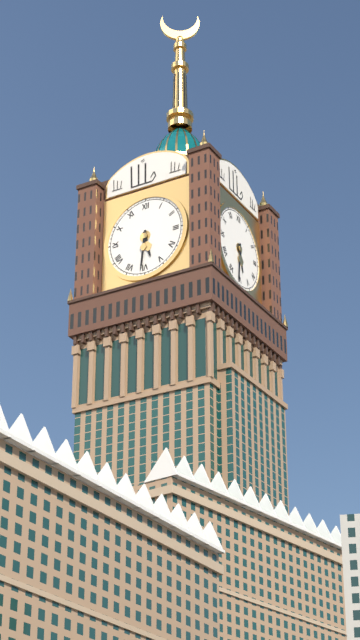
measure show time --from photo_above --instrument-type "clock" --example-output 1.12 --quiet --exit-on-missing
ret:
5.31
